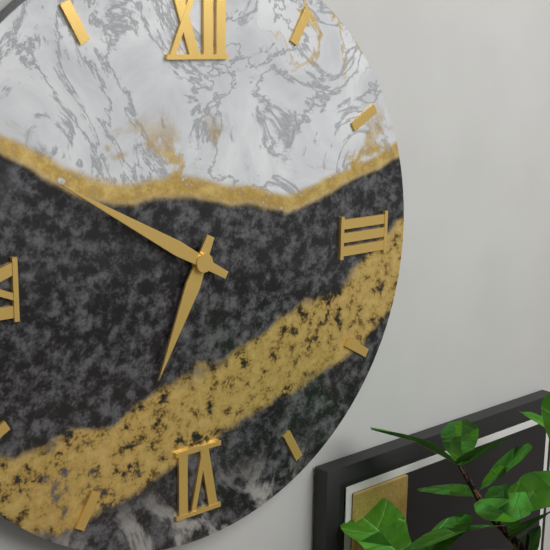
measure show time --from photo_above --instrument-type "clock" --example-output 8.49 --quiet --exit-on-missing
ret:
6.50
